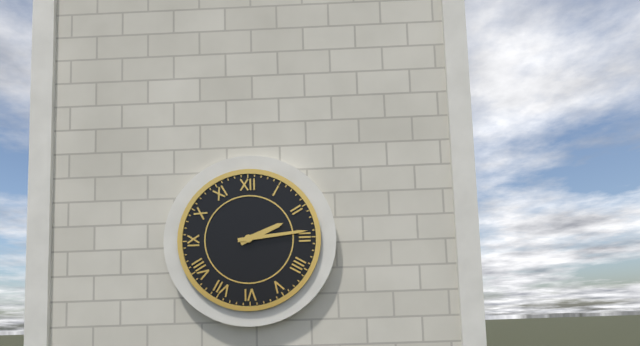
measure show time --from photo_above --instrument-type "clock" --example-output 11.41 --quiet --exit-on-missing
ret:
2.14
